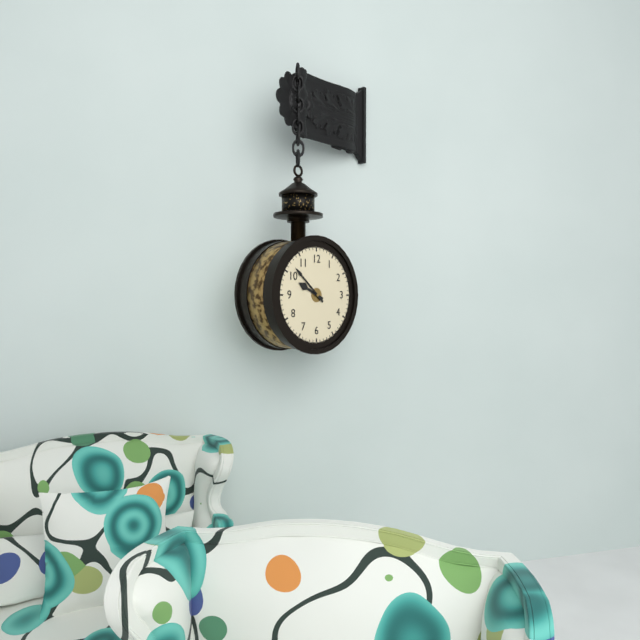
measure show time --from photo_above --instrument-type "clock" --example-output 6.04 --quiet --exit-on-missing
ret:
9.52
